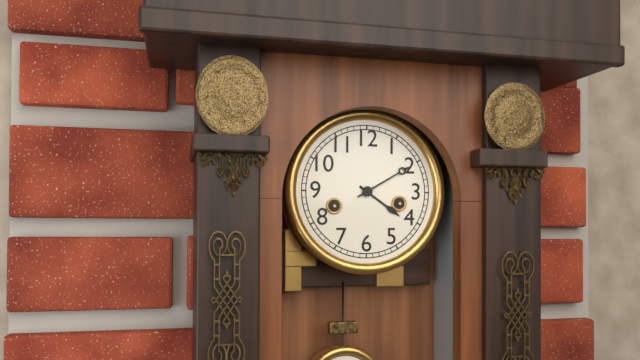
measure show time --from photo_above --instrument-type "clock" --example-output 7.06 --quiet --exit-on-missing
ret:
4.10
